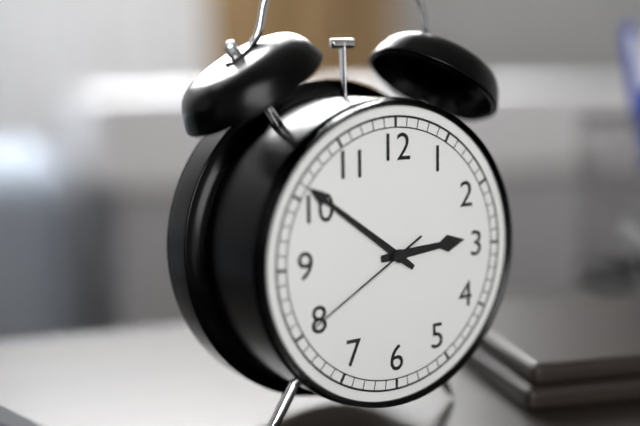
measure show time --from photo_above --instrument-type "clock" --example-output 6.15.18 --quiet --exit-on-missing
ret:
2.51.40
